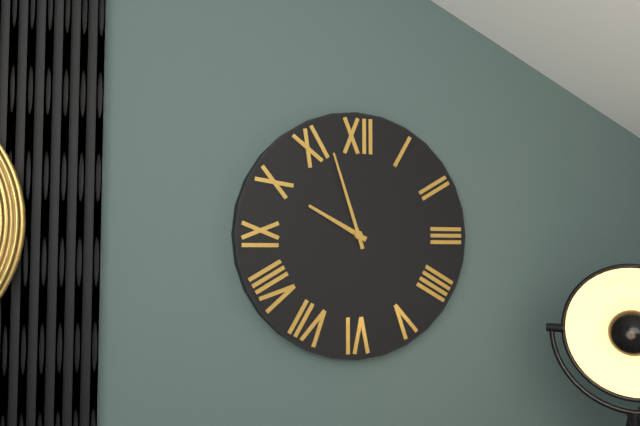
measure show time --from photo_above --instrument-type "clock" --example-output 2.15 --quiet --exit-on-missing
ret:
9.57
